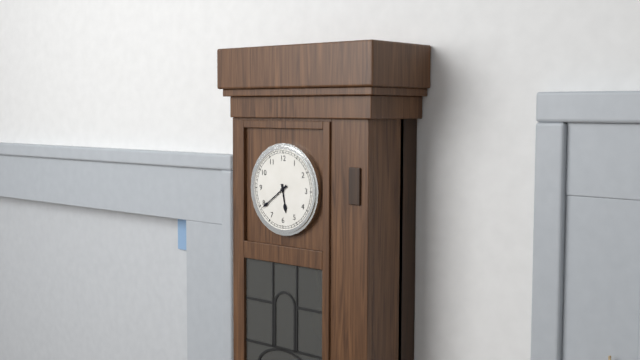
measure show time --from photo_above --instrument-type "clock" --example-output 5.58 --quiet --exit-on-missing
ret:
5.39
